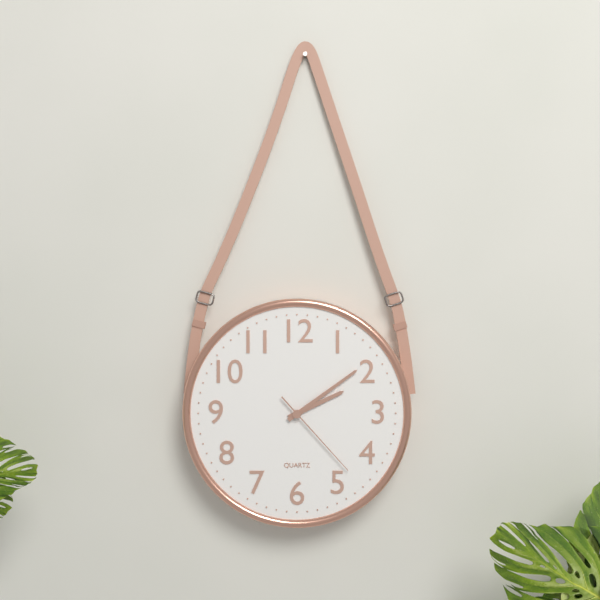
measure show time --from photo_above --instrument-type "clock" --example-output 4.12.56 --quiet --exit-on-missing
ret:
2.09.23
